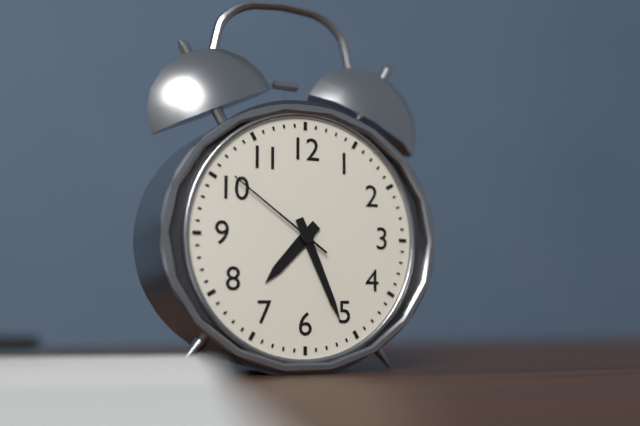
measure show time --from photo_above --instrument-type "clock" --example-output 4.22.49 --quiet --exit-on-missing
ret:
7.26.51
